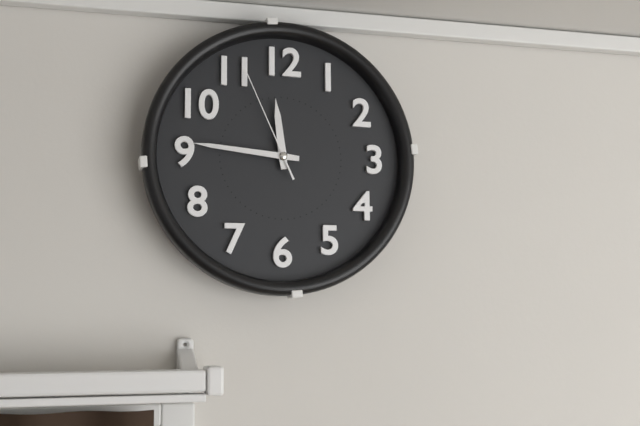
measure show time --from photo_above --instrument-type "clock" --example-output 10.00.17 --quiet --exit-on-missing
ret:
11.46.56
